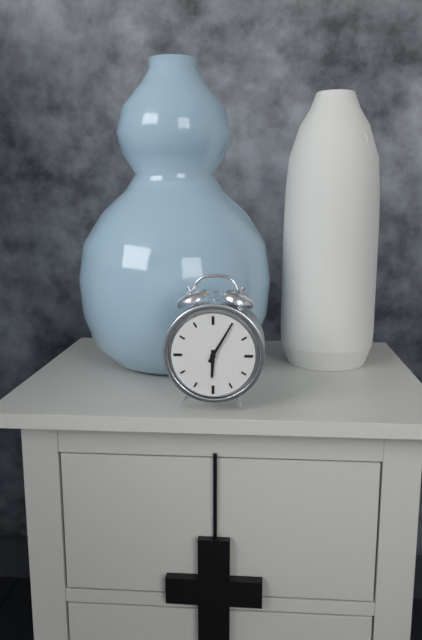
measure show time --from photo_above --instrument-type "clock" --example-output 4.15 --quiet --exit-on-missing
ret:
6.05
